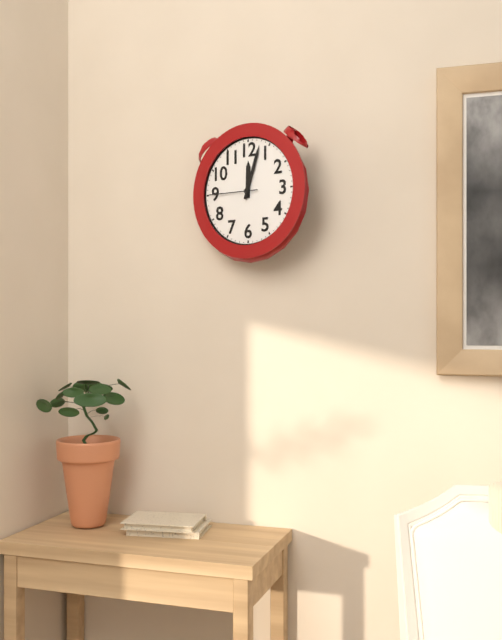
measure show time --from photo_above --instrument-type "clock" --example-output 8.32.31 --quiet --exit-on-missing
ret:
12.03.45
